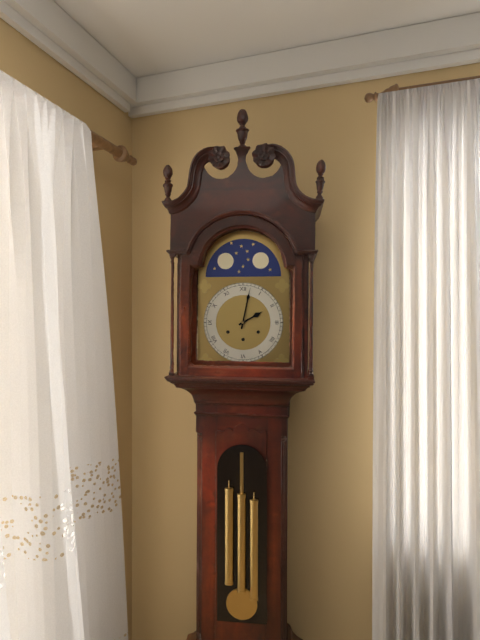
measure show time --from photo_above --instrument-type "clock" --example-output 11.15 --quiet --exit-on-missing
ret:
2.02
